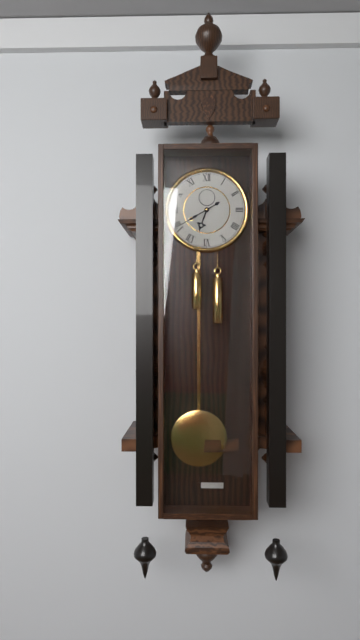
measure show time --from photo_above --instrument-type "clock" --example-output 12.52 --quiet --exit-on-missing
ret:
6.40
